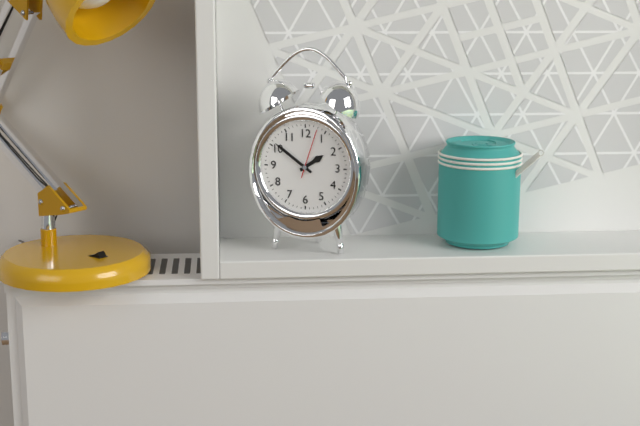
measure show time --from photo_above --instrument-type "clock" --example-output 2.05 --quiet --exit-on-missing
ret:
1.51
